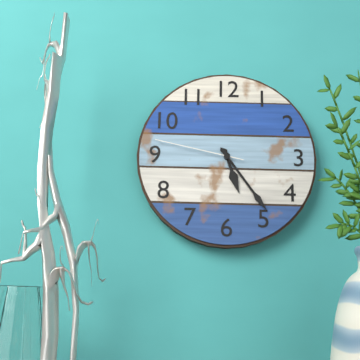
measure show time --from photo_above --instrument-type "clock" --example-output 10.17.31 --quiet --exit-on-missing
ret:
5.24.47
